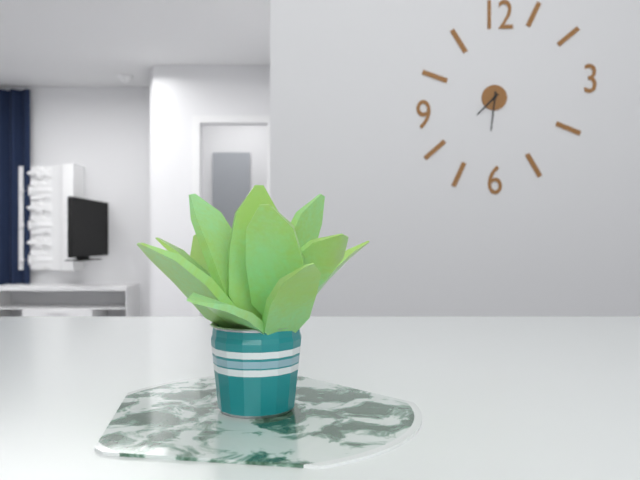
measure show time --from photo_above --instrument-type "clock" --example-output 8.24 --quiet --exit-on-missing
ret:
7.31
